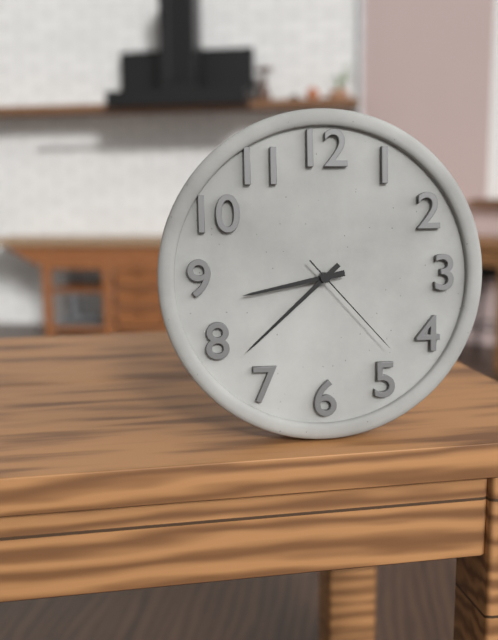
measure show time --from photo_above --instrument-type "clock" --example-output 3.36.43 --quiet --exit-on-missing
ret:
8.38.23
